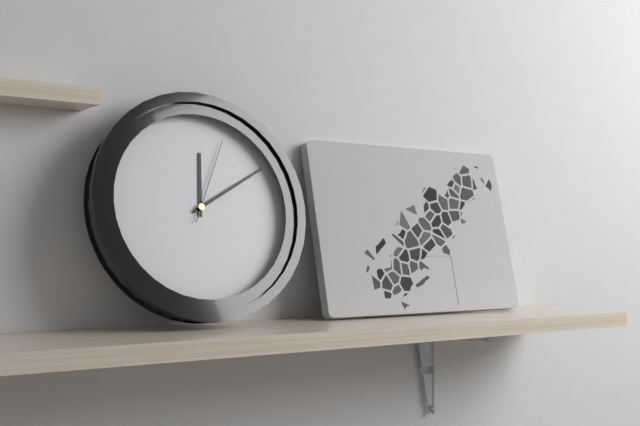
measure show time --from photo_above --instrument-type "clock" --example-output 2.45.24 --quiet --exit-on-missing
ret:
12.10.04
